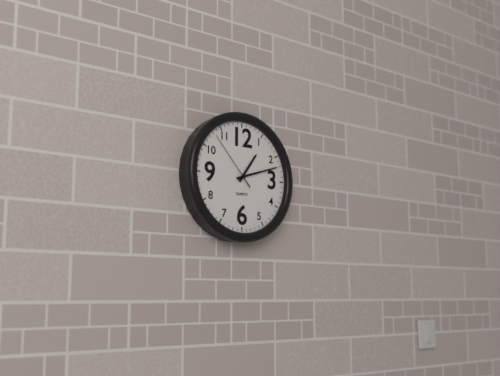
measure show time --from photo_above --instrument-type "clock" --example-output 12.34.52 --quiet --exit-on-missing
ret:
1.12.53
